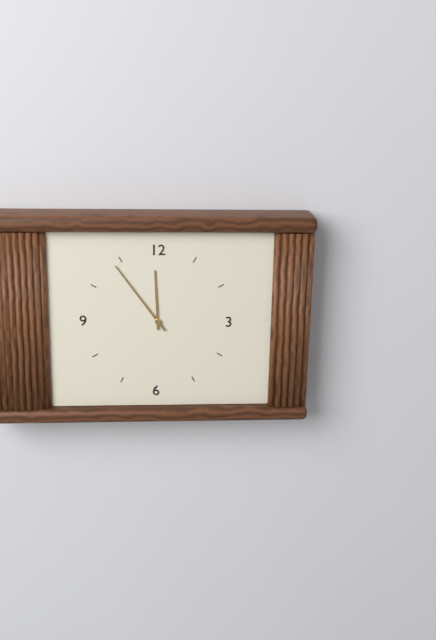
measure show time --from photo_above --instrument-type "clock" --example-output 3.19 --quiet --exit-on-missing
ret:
11.54
